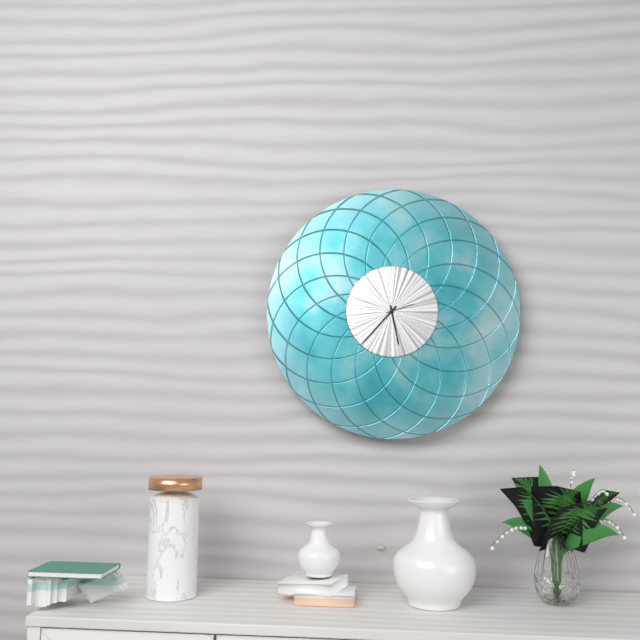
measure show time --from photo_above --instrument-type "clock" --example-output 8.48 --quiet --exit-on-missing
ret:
5.37
